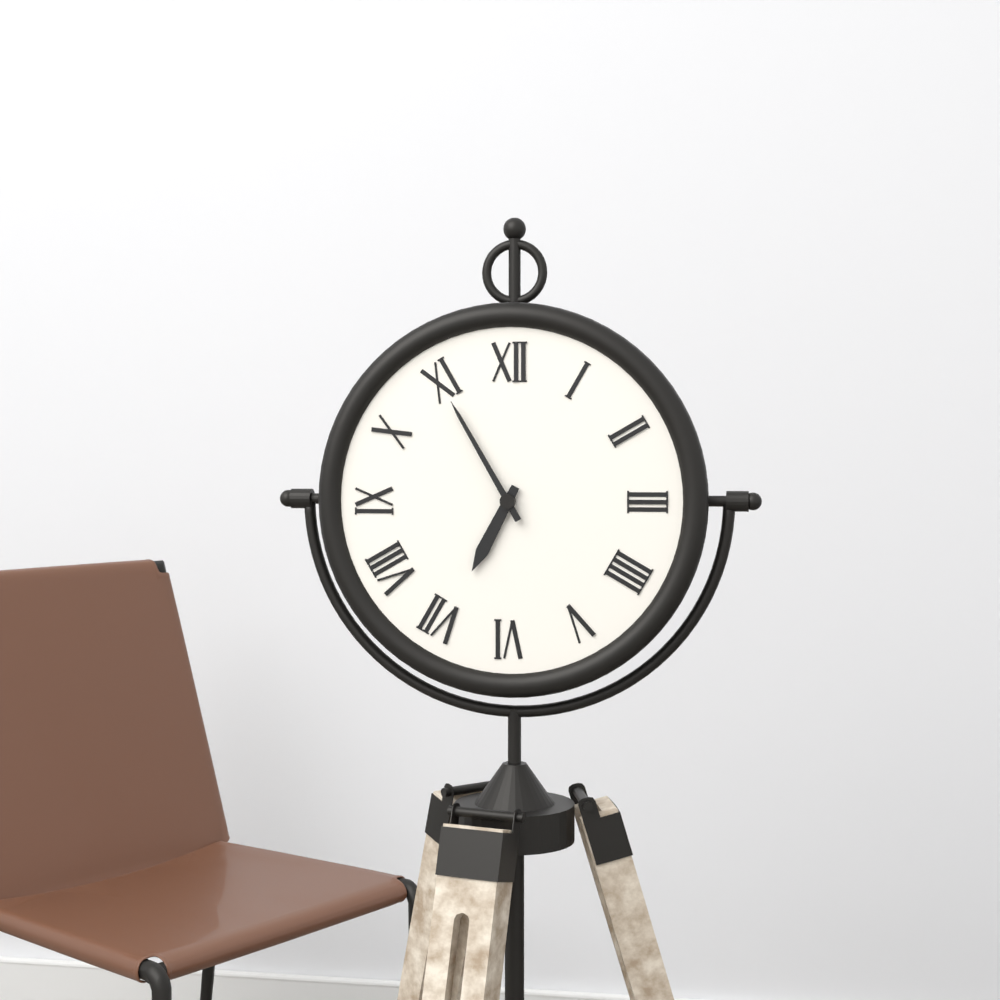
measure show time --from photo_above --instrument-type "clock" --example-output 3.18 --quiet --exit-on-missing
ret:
6.55
